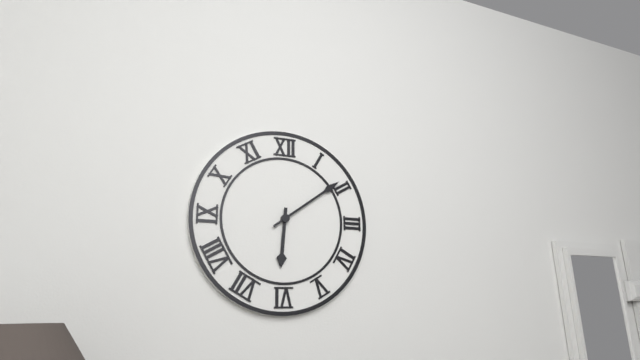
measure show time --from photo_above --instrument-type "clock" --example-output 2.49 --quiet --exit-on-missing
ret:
6.09
